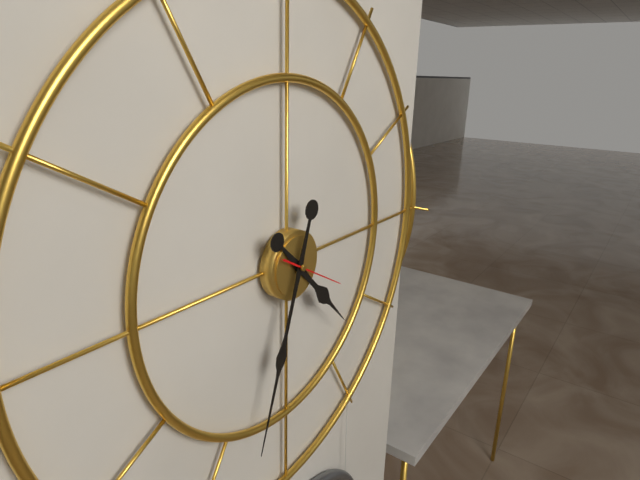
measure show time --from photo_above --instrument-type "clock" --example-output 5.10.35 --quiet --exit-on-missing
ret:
4.33.20
